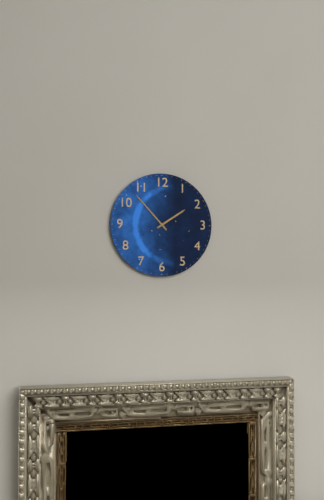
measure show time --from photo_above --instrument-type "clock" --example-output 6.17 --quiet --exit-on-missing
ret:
1.53
